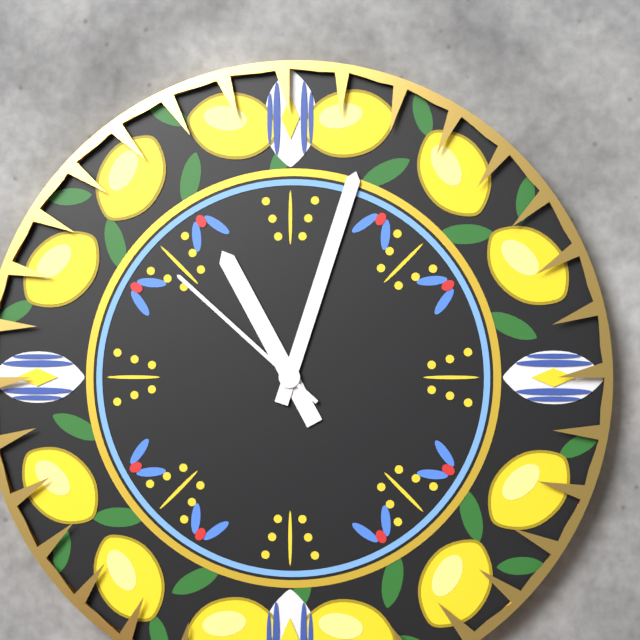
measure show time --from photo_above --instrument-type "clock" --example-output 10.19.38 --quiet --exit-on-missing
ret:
11.03.52
